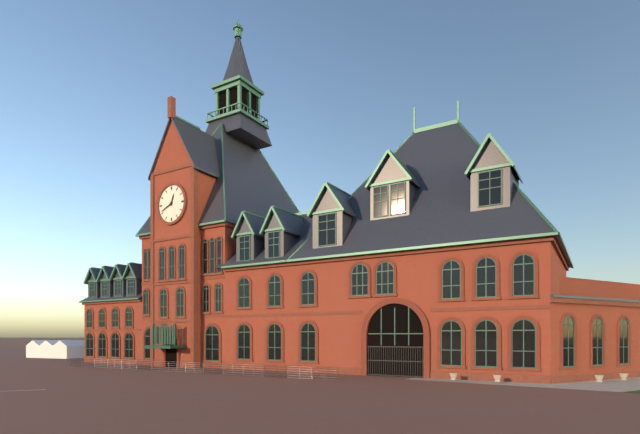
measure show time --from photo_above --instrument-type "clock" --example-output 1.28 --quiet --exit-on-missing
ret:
12.41
